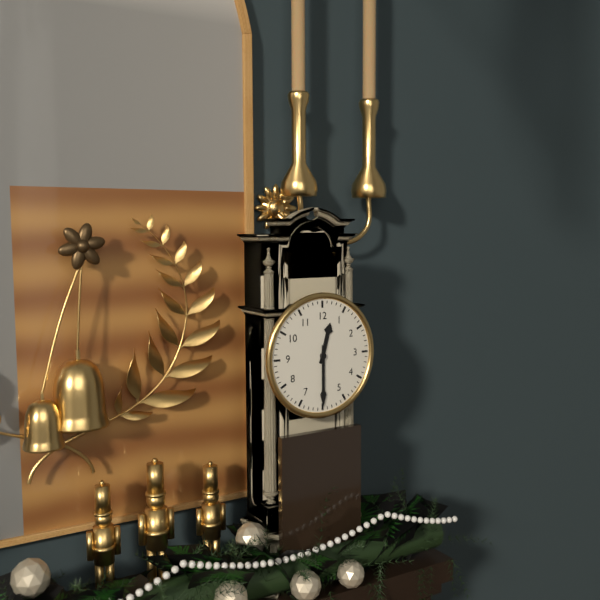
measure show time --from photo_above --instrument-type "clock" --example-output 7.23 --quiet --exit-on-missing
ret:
12.30
